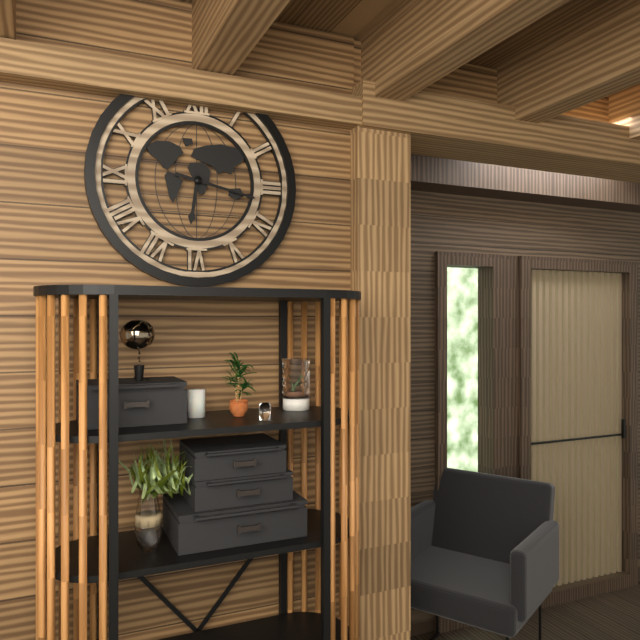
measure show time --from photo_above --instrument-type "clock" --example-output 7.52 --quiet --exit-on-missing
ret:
6.17
